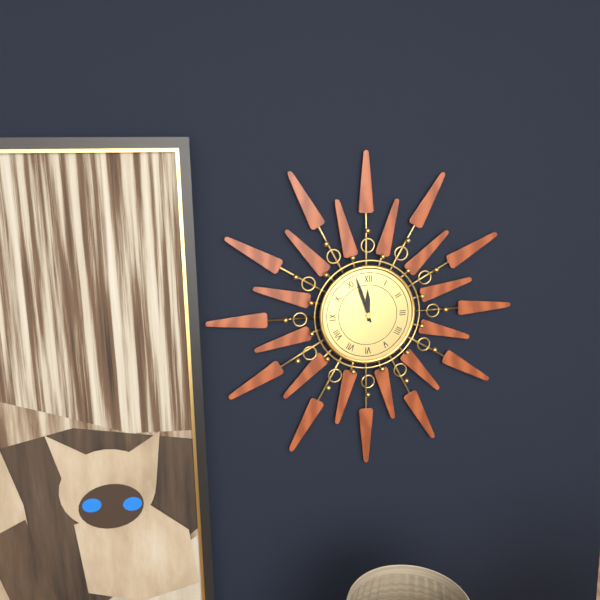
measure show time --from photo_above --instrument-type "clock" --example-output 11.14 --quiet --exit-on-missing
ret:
11.57
